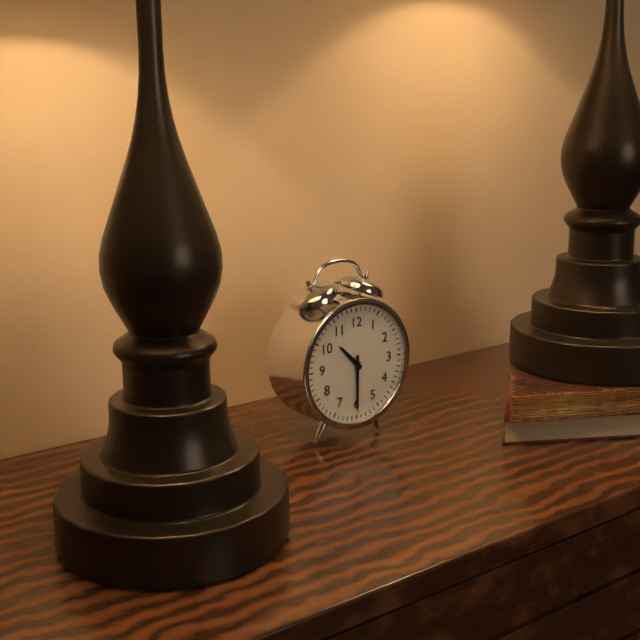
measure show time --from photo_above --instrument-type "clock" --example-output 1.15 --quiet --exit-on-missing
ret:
10.30
